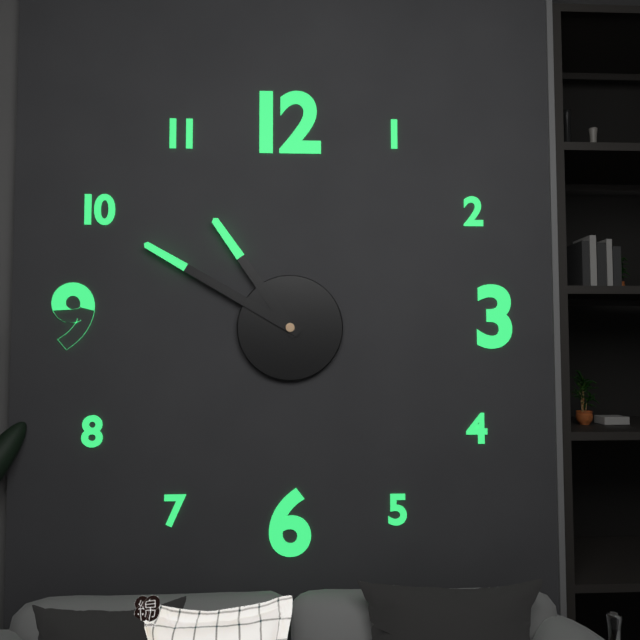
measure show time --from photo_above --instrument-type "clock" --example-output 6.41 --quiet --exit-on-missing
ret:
10.50
